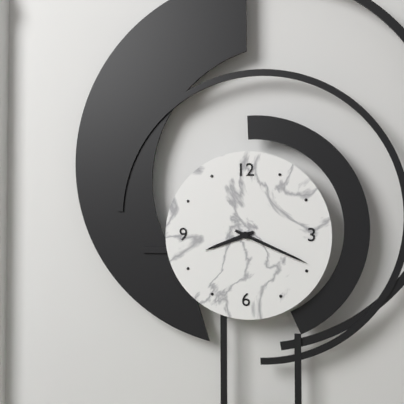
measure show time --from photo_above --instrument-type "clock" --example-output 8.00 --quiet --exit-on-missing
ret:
8.19
